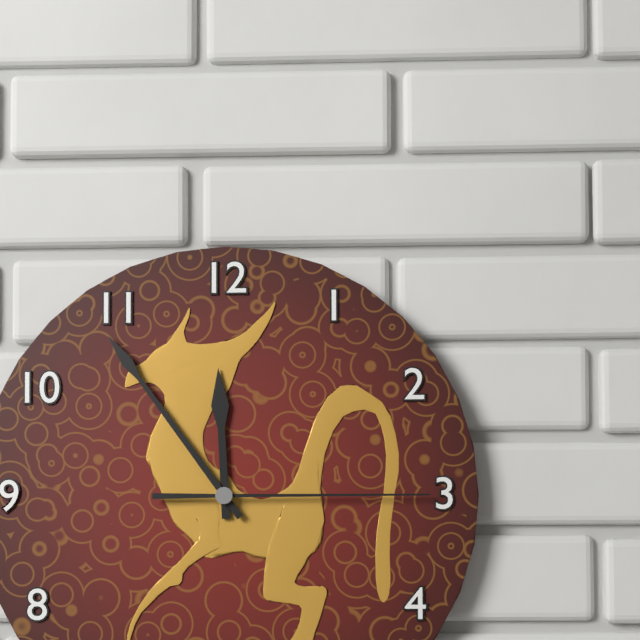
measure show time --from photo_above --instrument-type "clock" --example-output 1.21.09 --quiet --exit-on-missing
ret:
11.54.15
